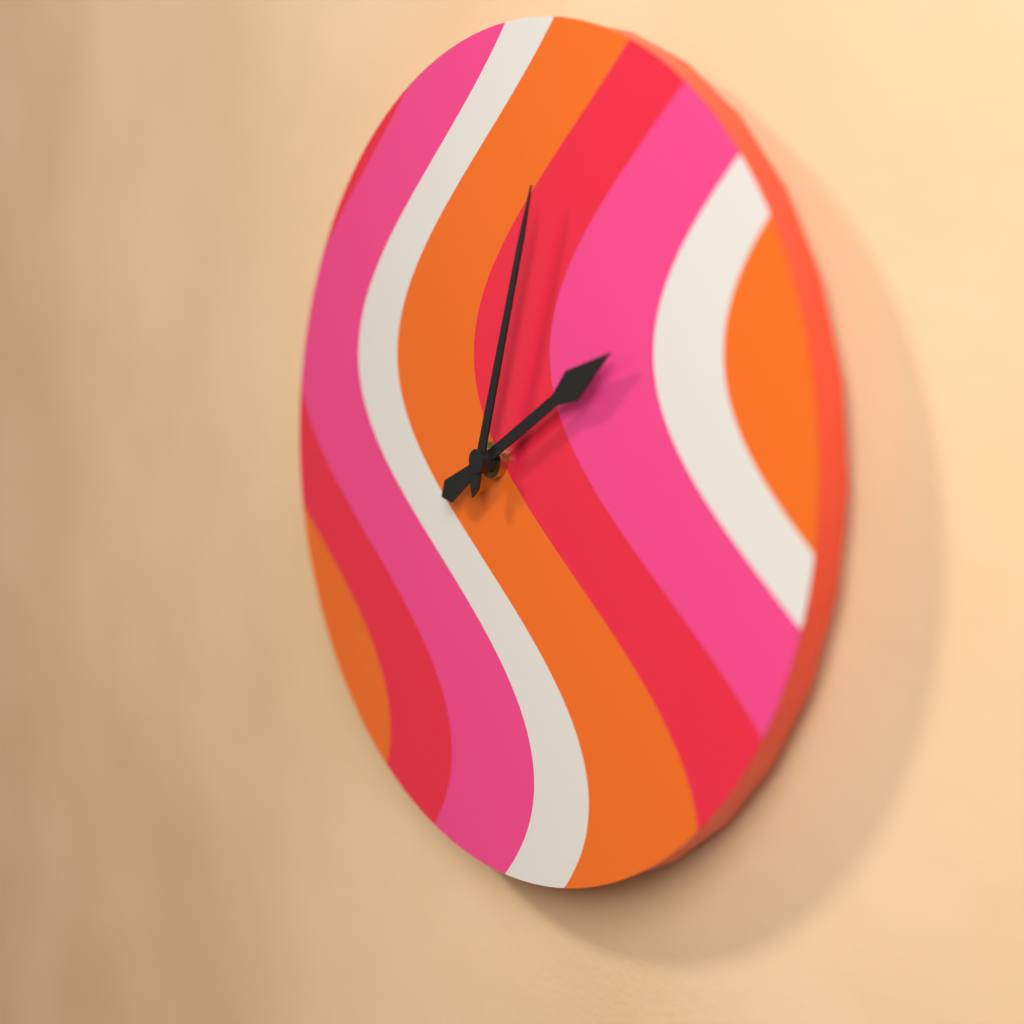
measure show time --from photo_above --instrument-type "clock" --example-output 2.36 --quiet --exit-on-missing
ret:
2.03
